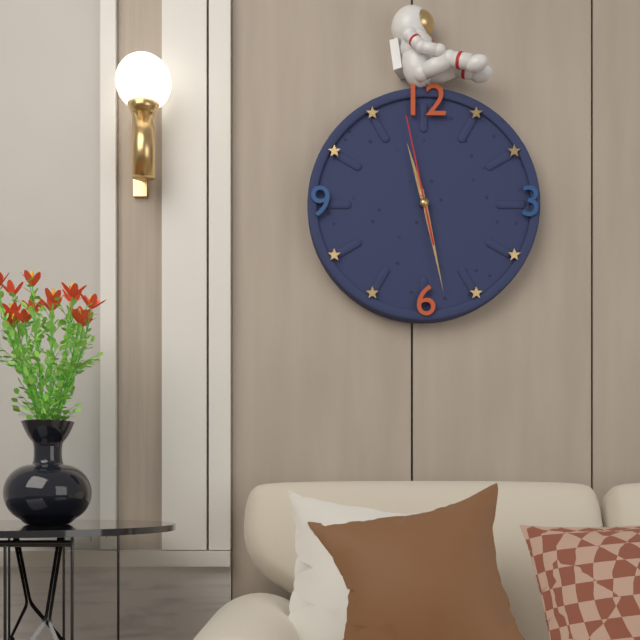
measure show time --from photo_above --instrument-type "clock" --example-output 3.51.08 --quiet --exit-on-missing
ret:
11.28.58
